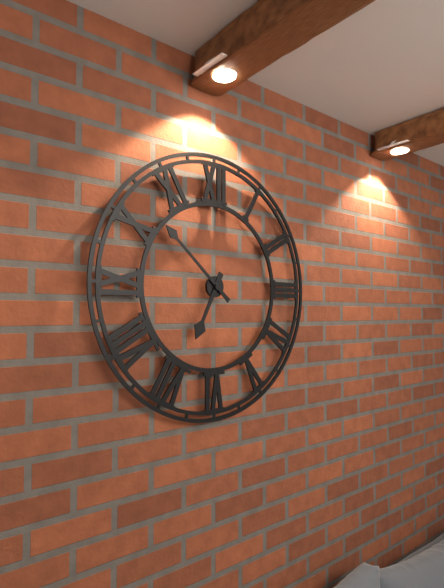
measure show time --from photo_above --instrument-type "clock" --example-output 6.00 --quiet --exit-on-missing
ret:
6.52
